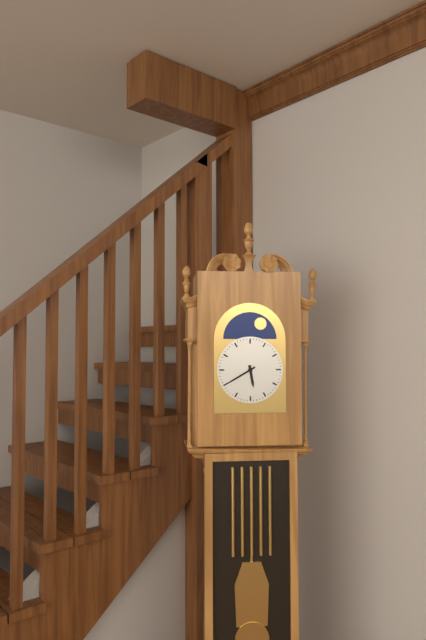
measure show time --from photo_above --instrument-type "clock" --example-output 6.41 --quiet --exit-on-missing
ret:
5.40
